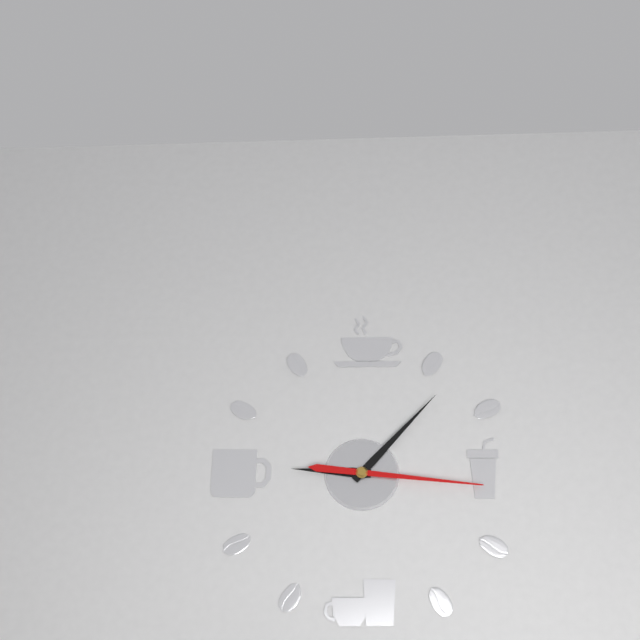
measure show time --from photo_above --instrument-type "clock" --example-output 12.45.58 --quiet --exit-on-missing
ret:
9.07.16
